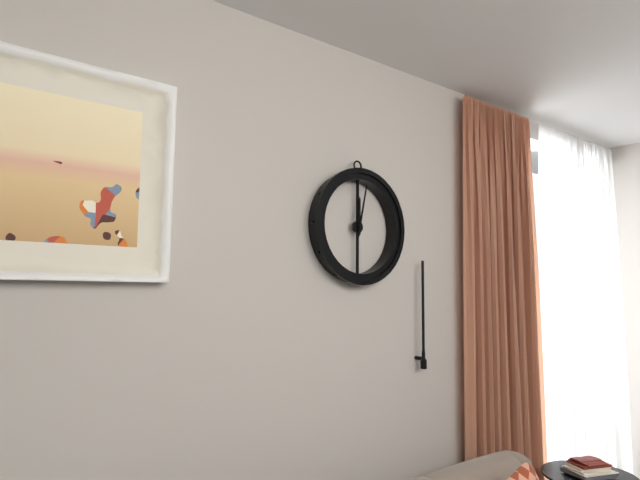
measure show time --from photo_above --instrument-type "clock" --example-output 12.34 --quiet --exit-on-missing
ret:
12.02
